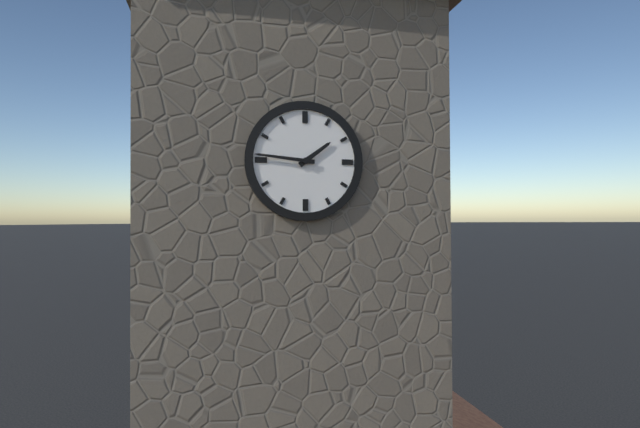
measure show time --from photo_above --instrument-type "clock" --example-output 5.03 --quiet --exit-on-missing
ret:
1.46
